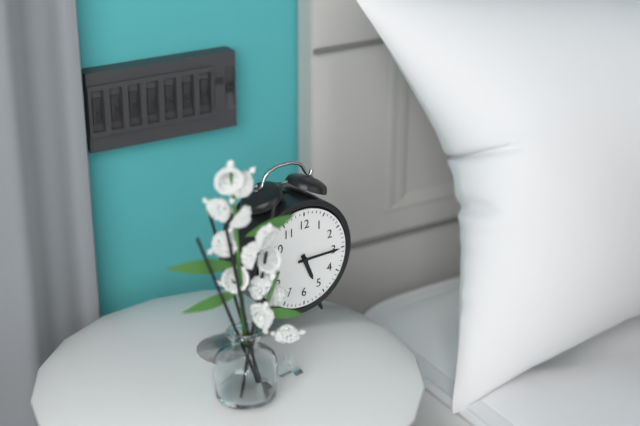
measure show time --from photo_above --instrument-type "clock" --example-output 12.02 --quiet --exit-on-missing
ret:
5.15
